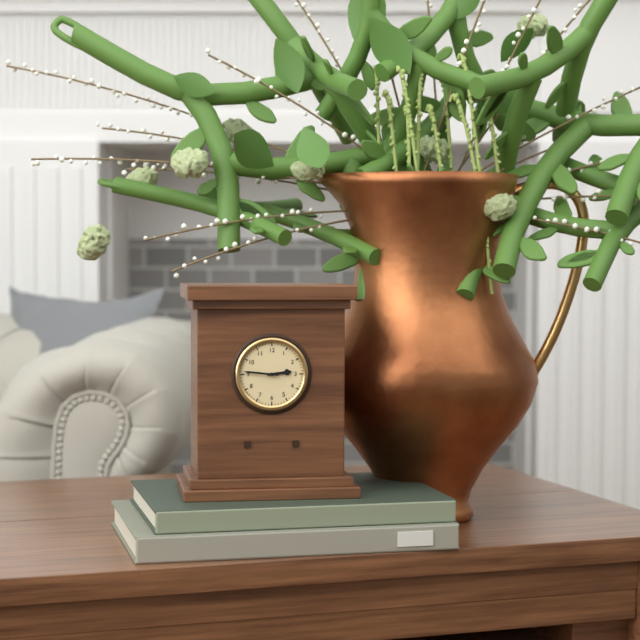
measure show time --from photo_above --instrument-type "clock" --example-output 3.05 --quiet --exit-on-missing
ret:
2.46
